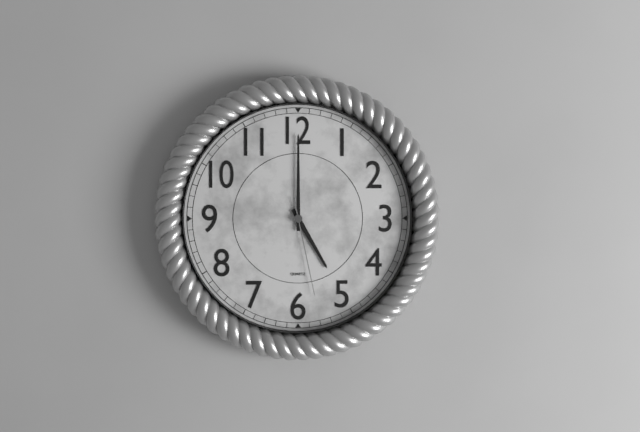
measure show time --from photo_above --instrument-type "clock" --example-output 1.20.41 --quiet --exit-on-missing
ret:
5.00.28
